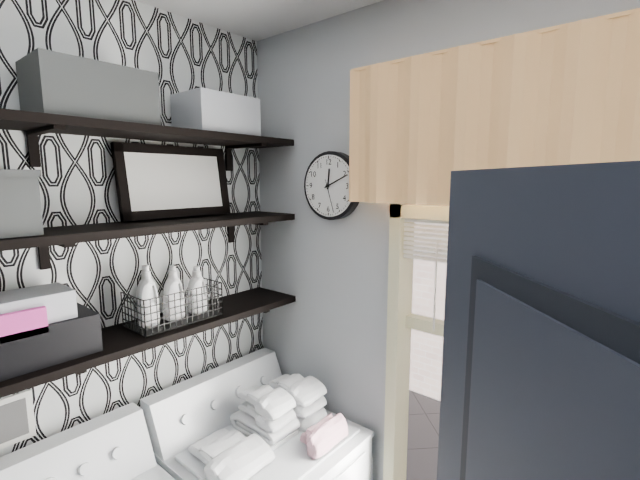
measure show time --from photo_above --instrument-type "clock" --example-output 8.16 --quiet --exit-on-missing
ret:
12.11
